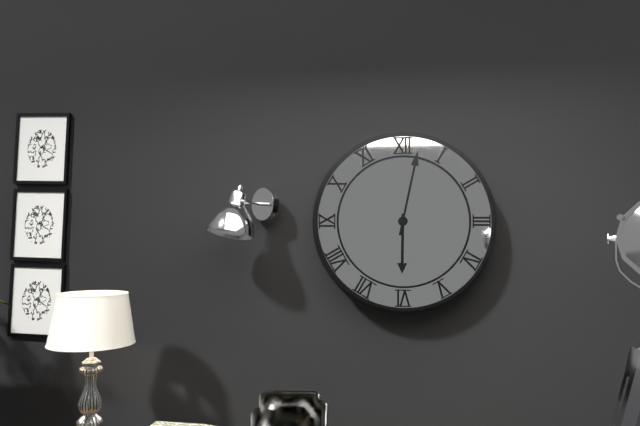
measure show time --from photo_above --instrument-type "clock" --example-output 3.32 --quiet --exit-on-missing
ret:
6.02
